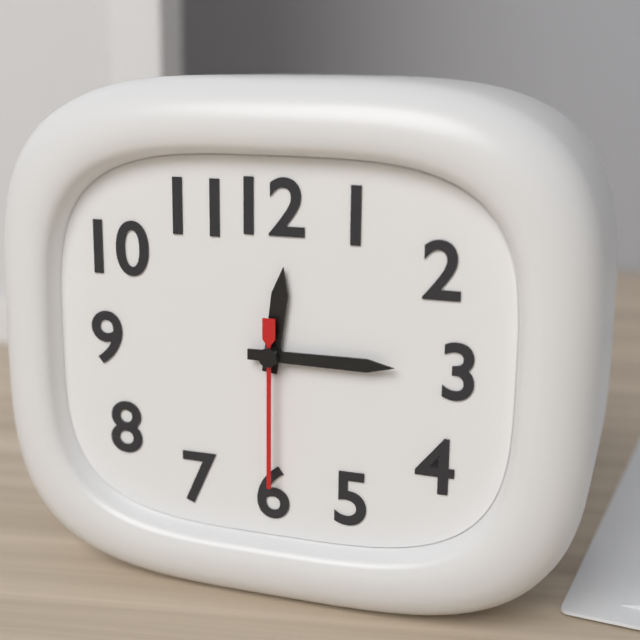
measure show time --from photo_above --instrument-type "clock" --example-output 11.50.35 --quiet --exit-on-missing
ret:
12.15.30
